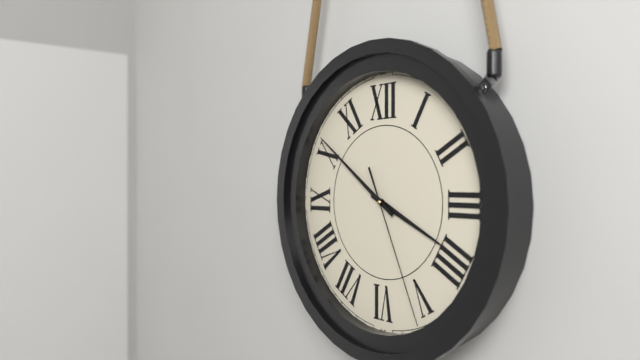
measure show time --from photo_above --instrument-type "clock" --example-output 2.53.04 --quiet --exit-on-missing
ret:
3.51.26
